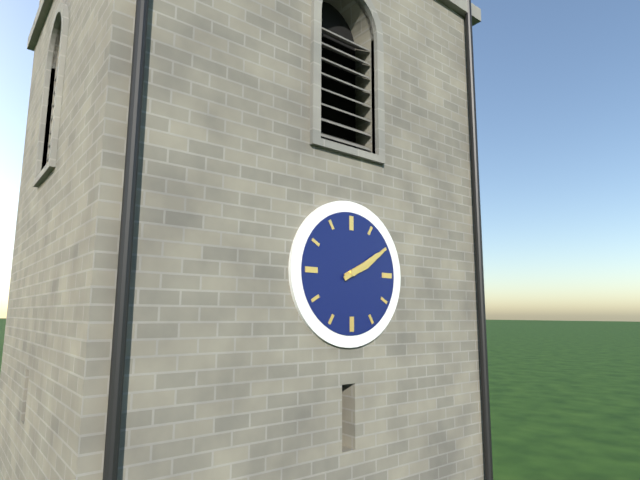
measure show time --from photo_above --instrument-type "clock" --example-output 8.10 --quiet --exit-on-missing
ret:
2.10
